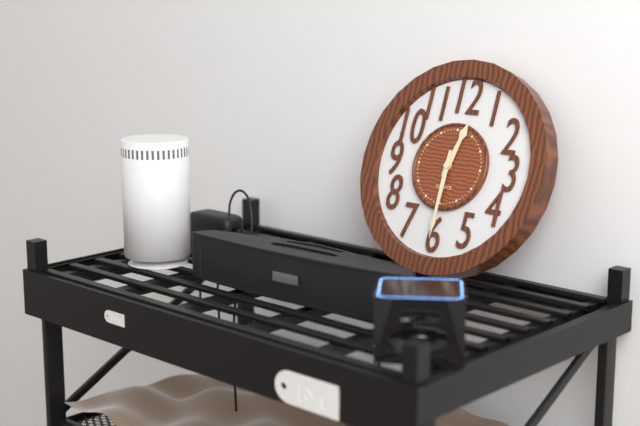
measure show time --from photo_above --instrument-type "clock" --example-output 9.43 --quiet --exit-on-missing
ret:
12.30
